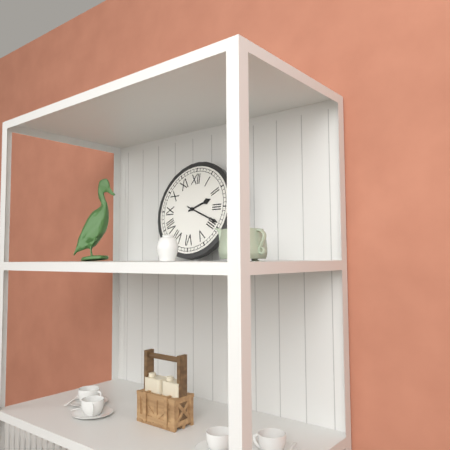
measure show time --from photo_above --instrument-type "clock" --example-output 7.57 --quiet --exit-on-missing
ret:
2.19
